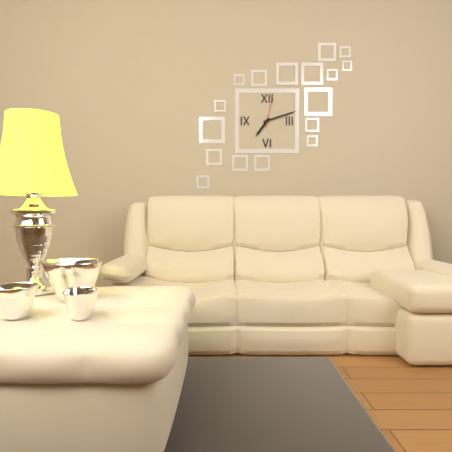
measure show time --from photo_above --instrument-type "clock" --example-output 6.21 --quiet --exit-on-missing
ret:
7.12
